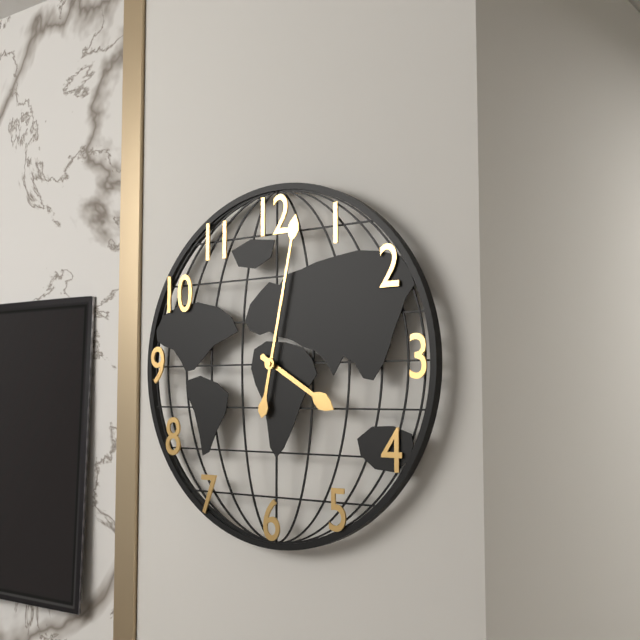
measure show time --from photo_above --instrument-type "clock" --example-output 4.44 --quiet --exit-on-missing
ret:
4.02
